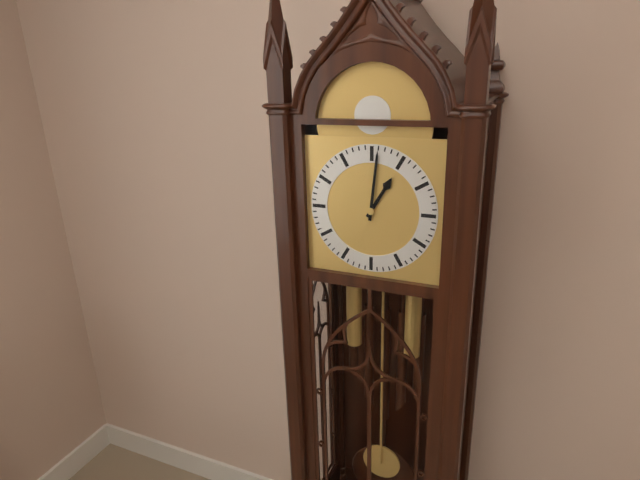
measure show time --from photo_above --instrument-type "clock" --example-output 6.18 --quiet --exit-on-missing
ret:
1.01
